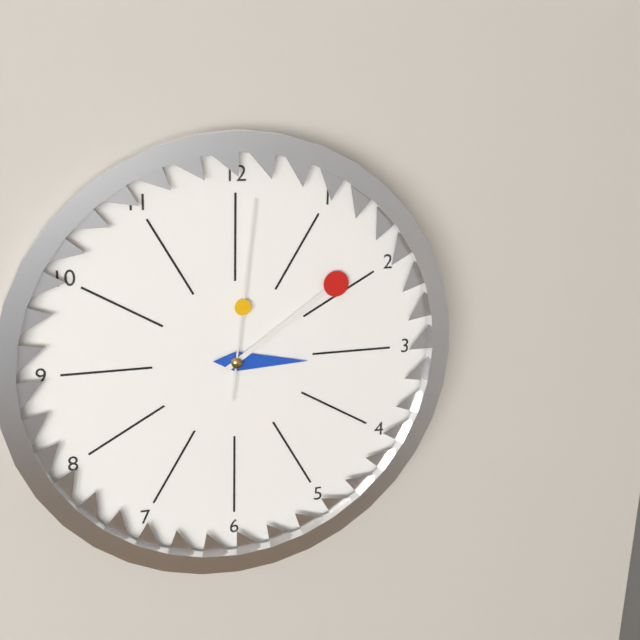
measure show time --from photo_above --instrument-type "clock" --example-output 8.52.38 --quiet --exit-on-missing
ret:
3.09.01
